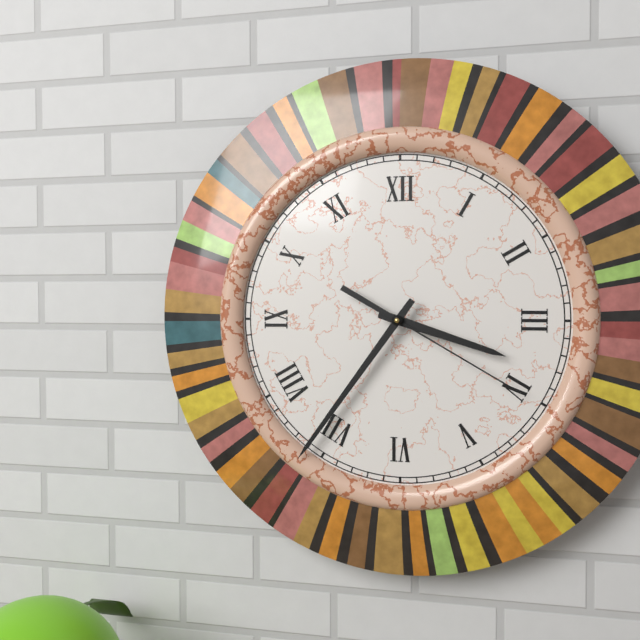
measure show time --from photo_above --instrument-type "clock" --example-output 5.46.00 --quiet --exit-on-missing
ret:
3.36.20
